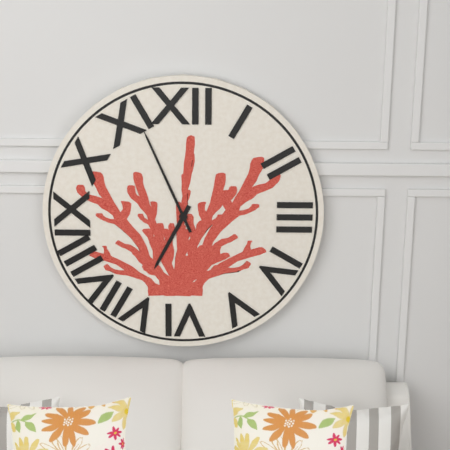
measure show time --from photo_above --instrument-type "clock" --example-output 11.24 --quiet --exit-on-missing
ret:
6.56
